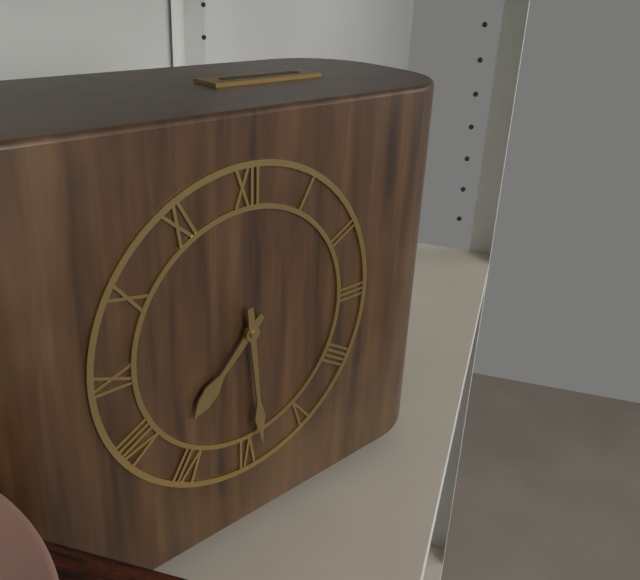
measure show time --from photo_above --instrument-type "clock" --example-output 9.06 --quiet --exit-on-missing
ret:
7.29
